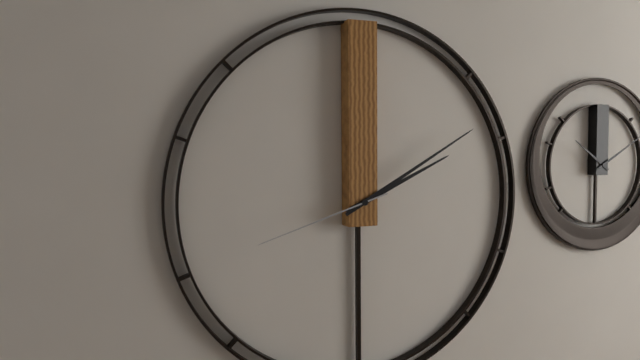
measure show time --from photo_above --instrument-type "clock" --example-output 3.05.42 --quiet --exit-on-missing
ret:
2.10.42
